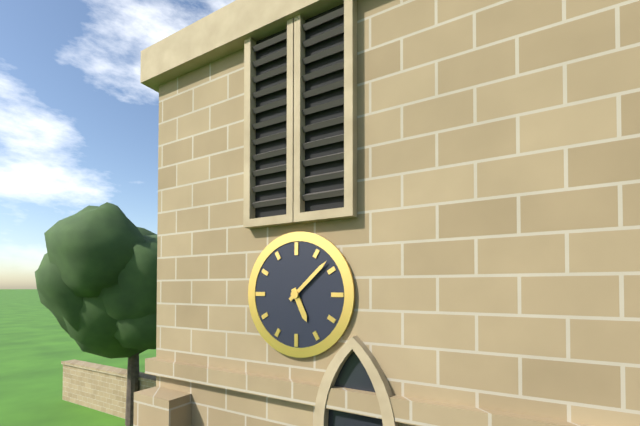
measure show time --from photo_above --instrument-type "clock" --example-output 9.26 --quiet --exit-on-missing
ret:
5.08
